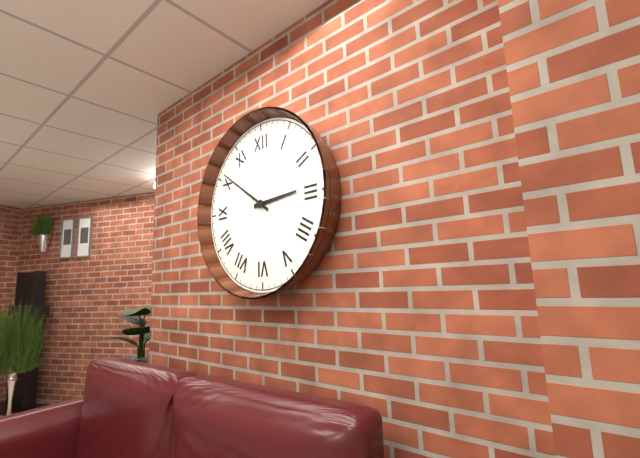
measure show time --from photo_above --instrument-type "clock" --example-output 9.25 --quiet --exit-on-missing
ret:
2.51
